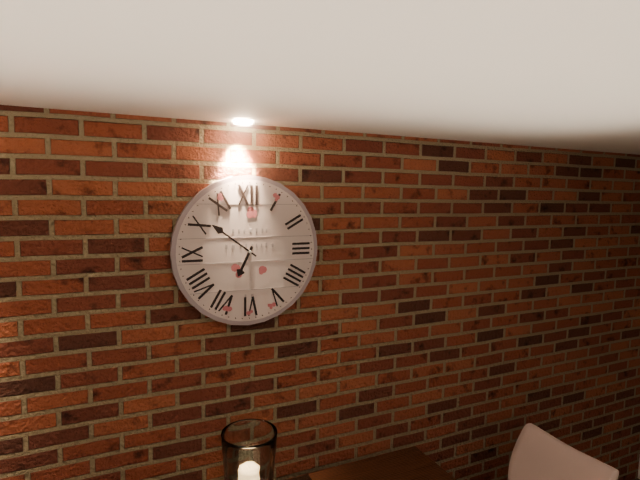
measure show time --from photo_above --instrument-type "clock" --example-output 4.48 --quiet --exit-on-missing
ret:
6.51
